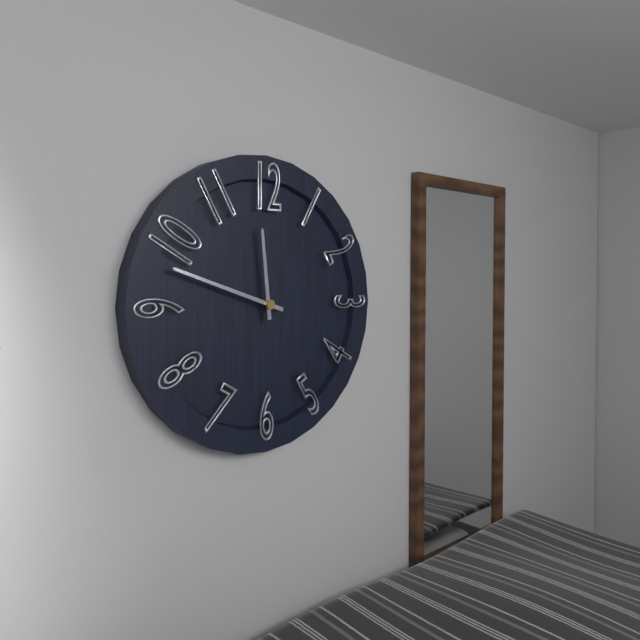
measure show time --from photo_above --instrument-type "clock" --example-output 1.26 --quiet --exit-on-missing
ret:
11.48
